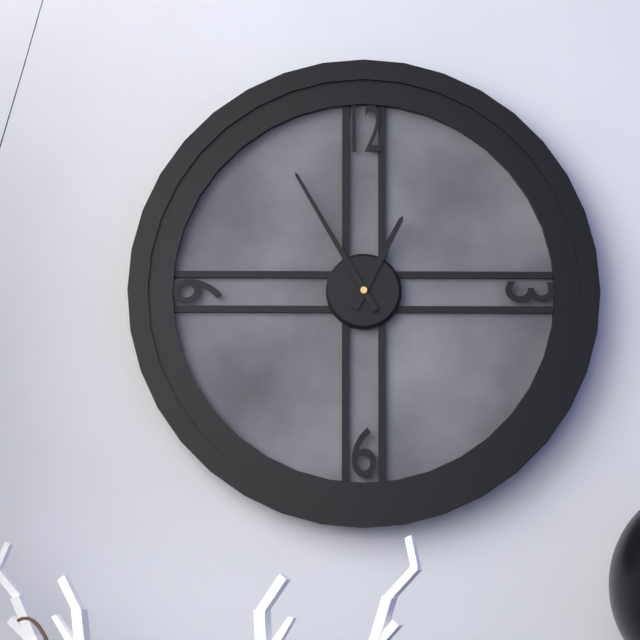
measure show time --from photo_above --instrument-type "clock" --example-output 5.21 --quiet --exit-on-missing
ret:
12.55
